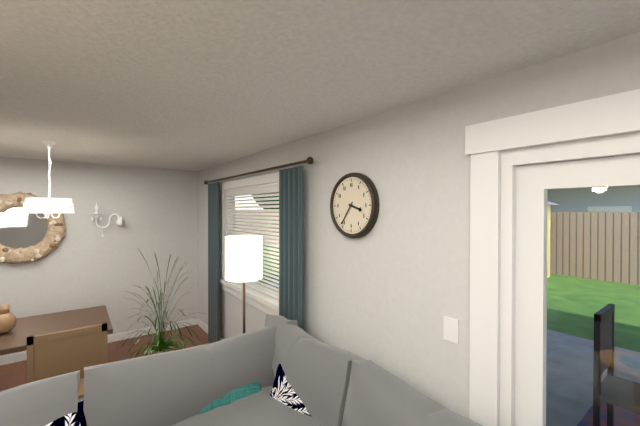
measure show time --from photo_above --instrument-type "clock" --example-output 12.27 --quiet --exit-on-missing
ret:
3.36
